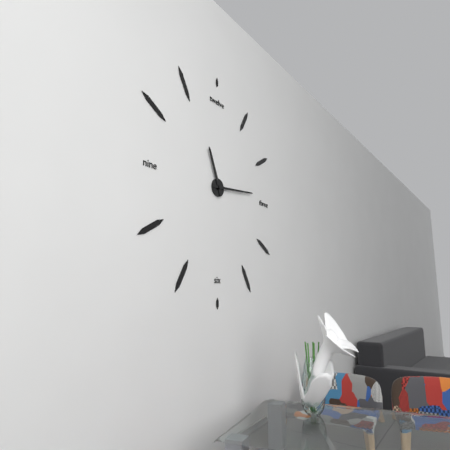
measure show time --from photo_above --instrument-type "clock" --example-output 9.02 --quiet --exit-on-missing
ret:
11.14
